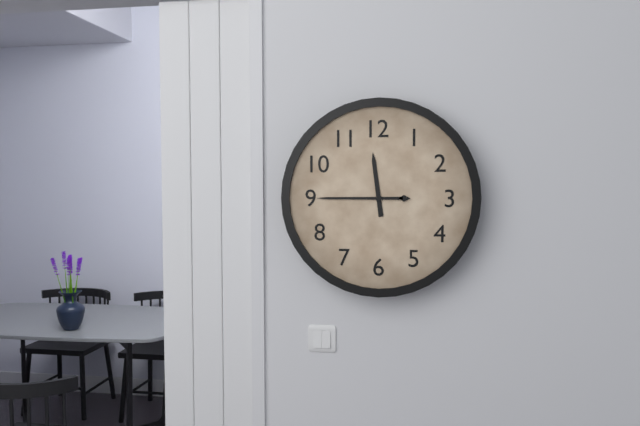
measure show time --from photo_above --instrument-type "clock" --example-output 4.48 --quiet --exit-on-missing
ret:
11.45
